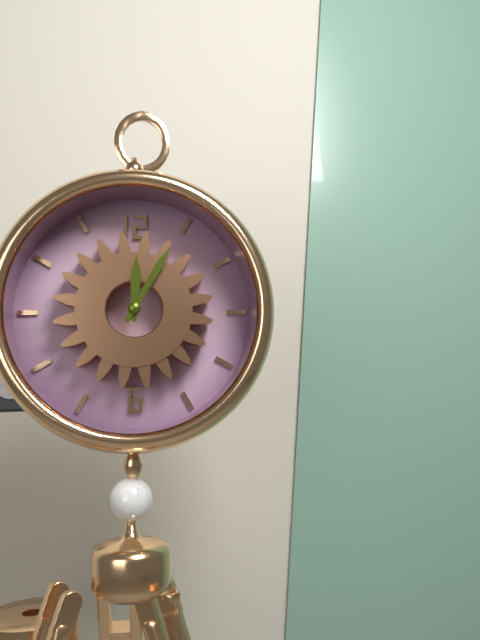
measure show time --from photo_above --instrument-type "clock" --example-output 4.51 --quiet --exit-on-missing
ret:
12.05
